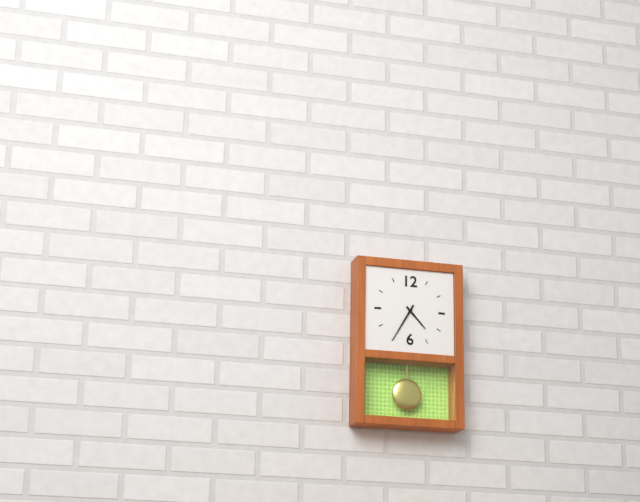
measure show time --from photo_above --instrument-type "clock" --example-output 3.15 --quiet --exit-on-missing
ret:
4.35
